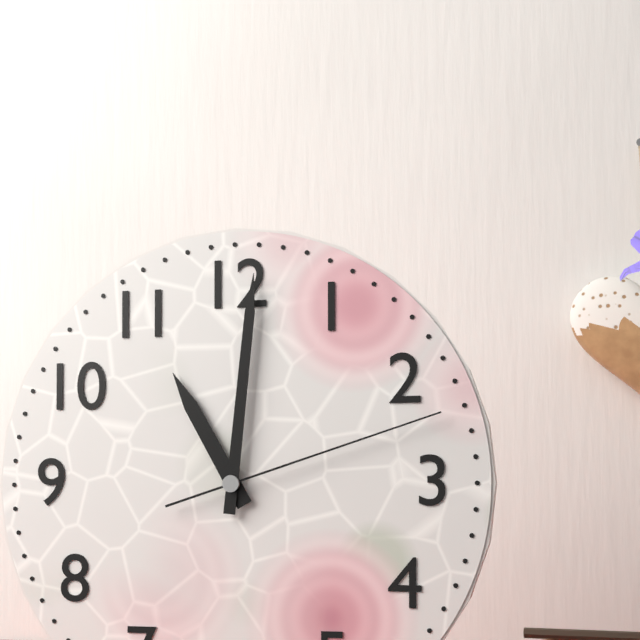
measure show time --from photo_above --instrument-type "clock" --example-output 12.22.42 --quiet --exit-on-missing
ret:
11.01.12
